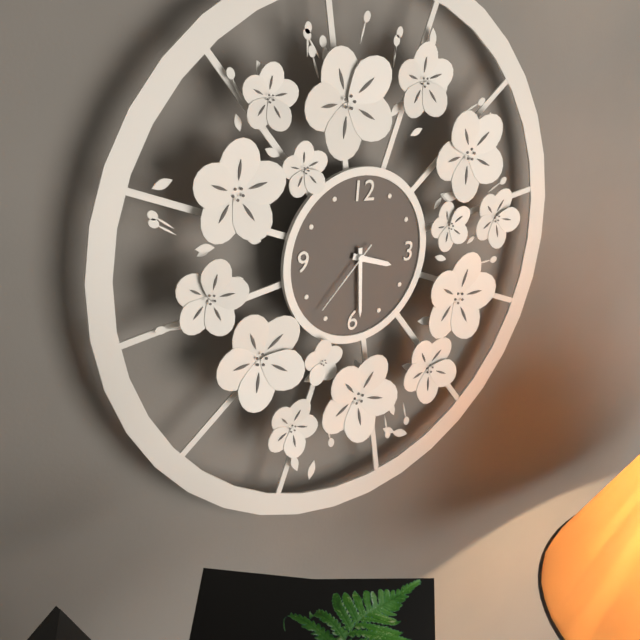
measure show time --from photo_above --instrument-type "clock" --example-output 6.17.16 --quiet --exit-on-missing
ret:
3.29.37
